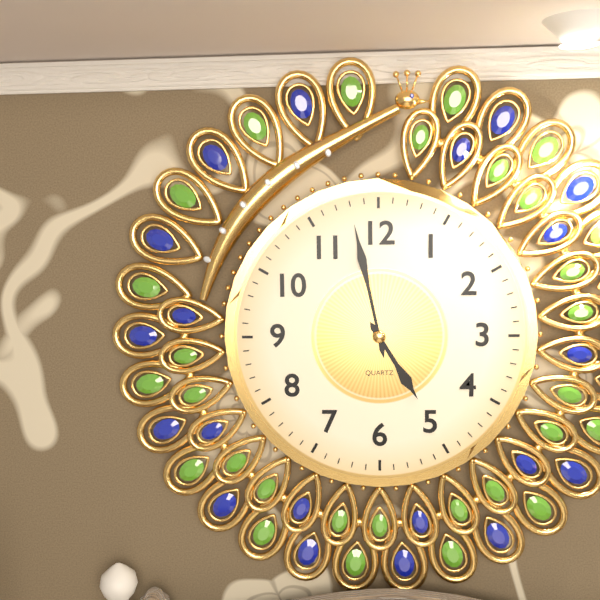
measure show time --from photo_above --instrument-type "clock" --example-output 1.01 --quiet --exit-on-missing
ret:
4.58
